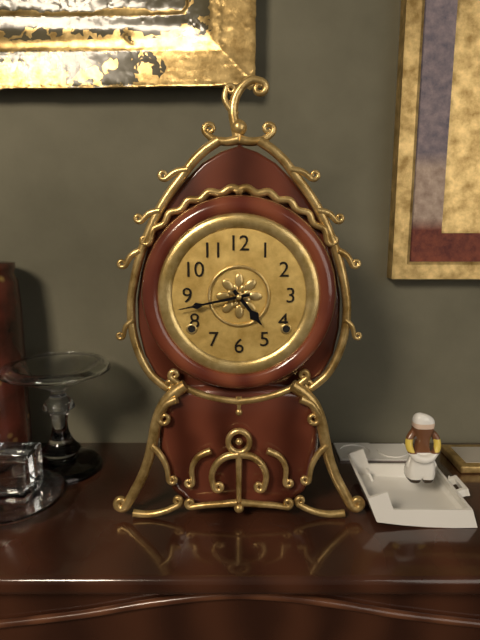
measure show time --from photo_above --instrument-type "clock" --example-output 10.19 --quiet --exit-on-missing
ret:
4.43
